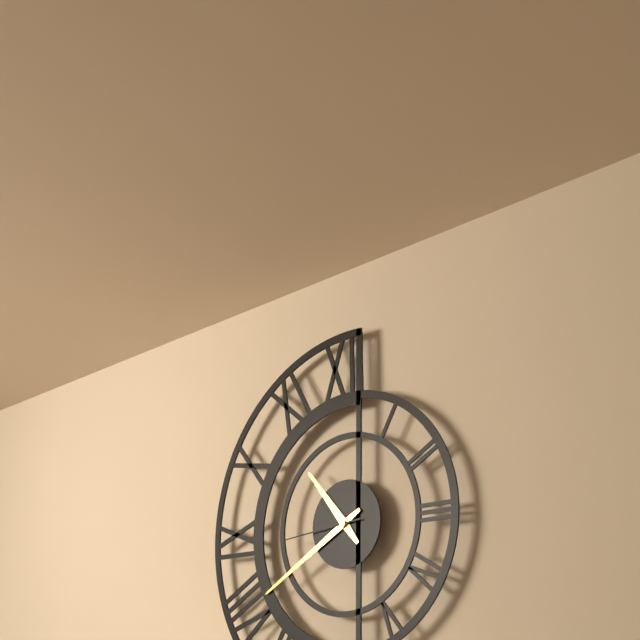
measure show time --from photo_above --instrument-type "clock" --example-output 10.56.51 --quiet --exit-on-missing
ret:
10.40.44
